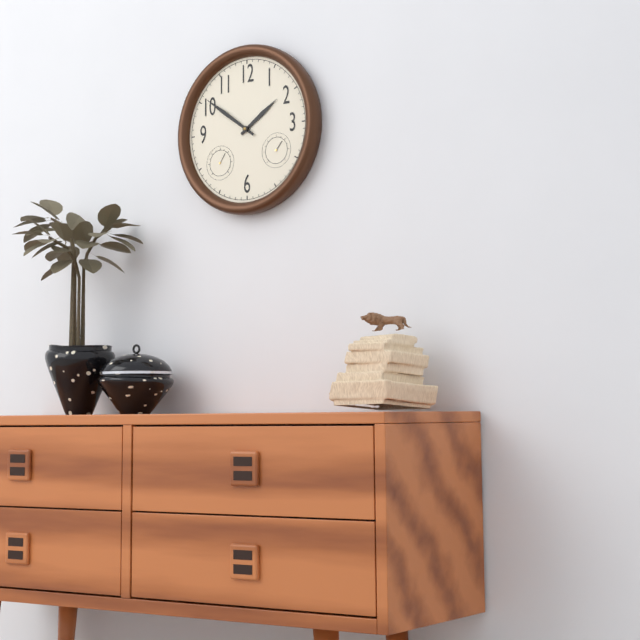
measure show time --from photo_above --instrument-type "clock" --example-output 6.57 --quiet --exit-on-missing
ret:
1.51
